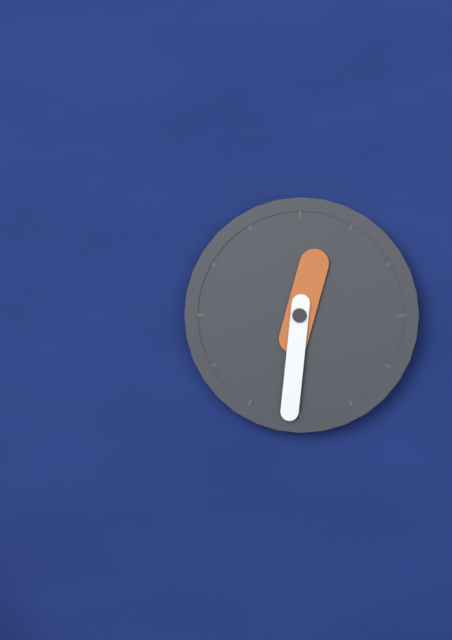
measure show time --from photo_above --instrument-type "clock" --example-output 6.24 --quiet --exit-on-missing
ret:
12.31
